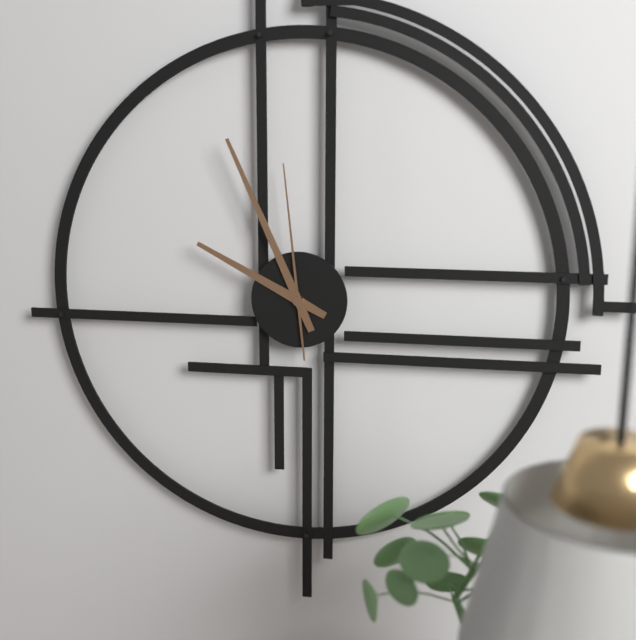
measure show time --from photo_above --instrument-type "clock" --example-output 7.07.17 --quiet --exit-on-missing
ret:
9.56.59
